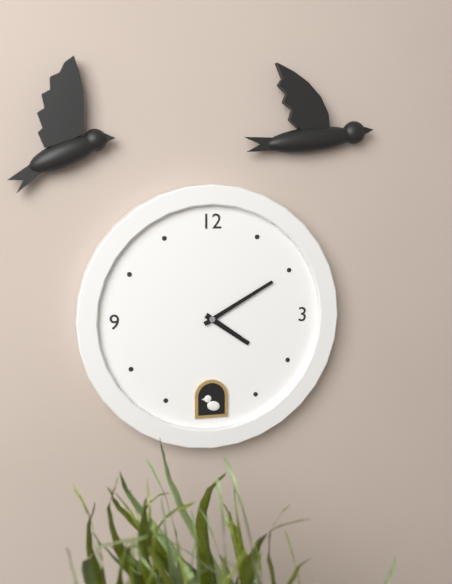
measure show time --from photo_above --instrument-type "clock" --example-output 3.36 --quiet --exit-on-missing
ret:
4.10
